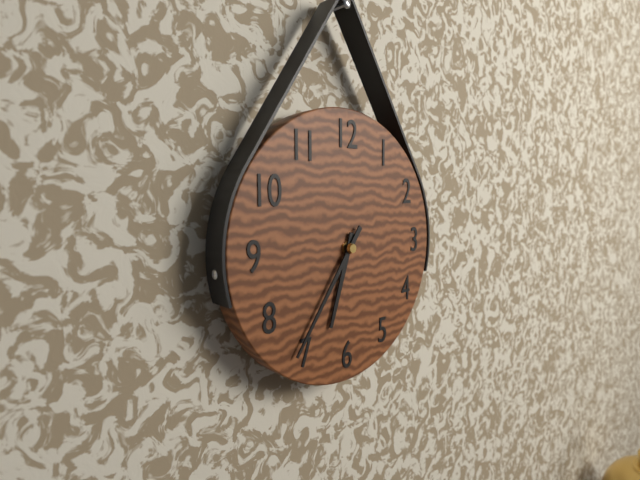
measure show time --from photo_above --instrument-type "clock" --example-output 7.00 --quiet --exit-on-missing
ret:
6.36
